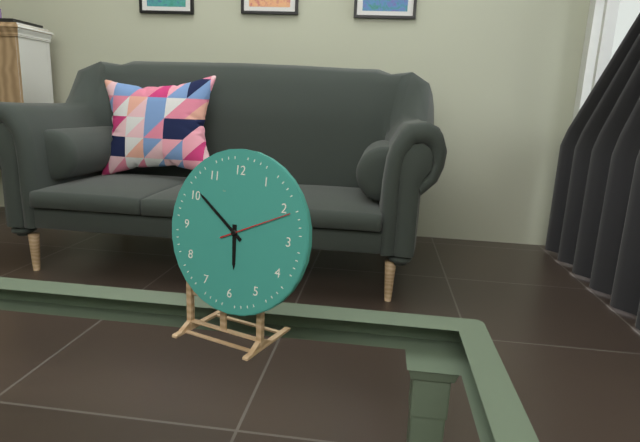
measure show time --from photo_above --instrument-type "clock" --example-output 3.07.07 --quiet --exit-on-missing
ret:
5.51.11
